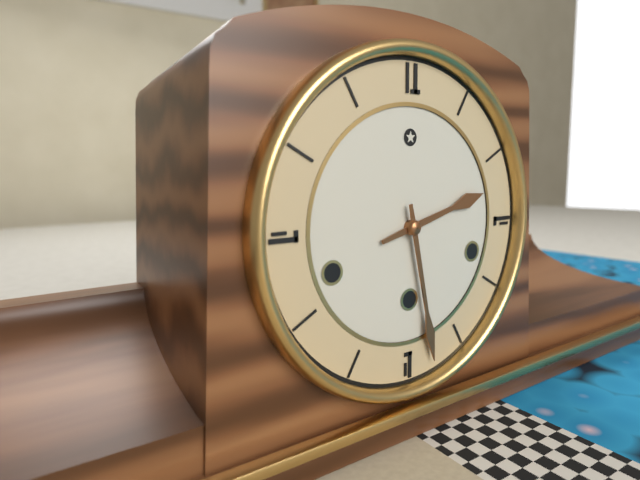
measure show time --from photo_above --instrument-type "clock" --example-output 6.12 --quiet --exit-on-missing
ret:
2.28
